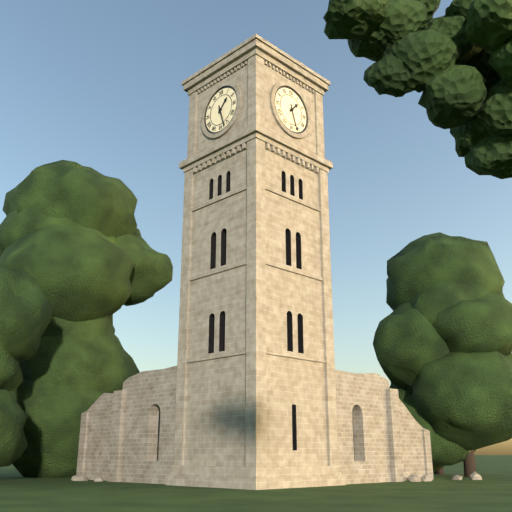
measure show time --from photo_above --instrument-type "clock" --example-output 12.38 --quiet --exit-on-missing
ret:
1.27
